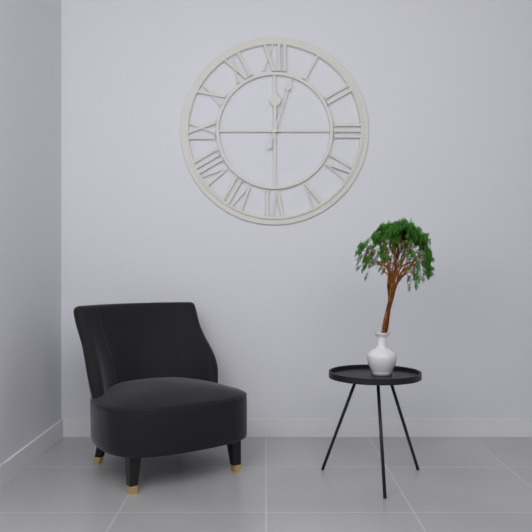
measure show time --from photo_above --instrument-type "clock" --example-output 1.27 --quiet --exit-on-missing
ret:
12.03
